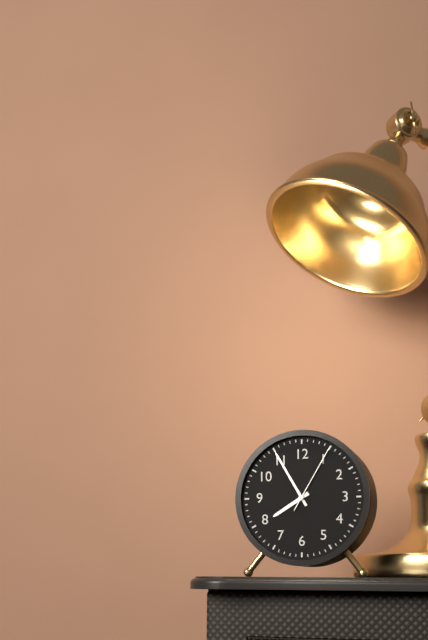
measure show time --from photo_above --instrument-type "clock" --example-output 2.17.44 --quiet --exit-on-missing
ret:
7.55.05
